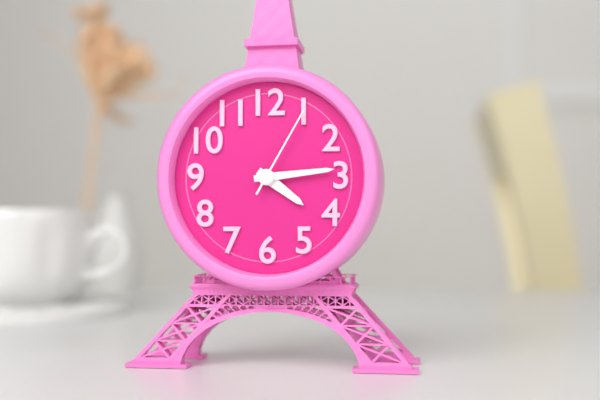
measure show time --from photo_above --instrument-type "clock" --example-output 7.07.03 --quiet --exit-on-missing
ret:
4.14.05
